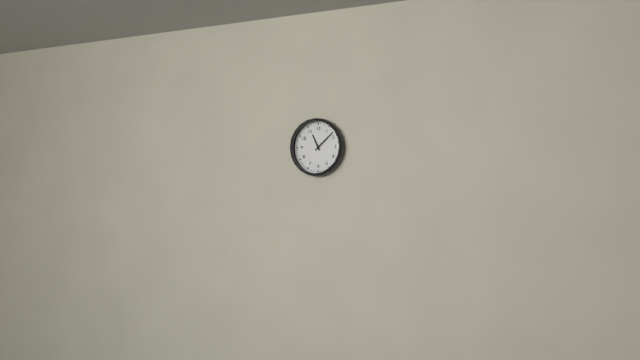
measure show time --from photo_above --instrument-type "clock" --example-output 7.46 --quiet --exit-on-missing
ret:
11.08
